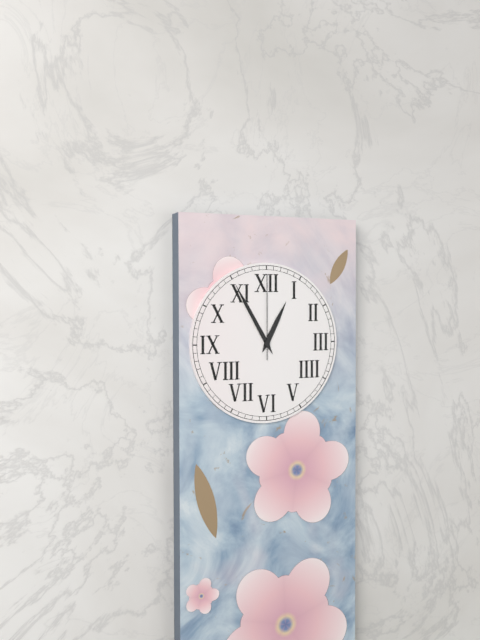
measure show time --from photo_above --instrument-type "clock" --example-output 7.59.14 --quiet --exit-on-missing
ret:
12.55.00
